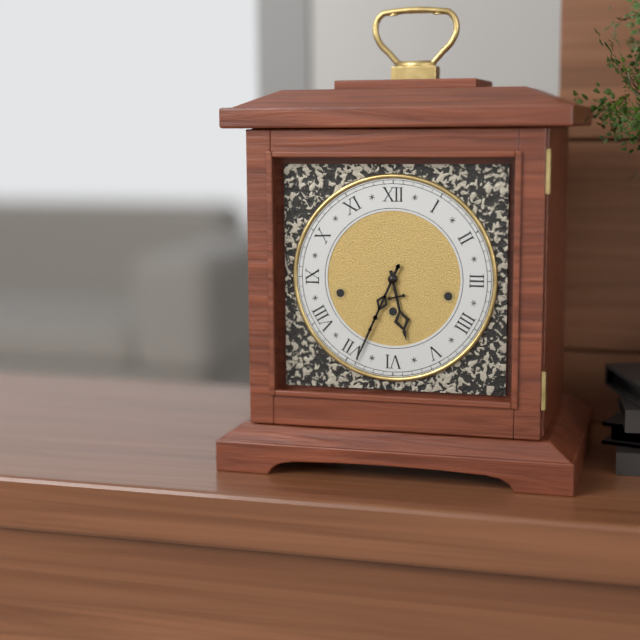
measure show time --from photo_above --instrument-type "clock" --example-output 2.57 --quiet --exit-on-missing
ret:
5.34
